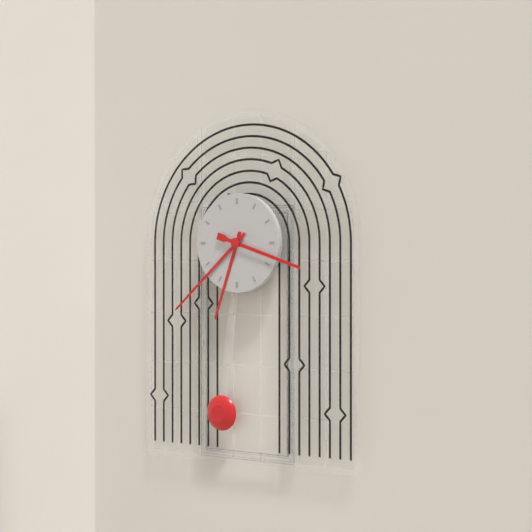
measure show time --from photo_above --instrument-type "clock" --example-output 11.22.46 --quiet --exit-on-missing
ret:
6.38.18
